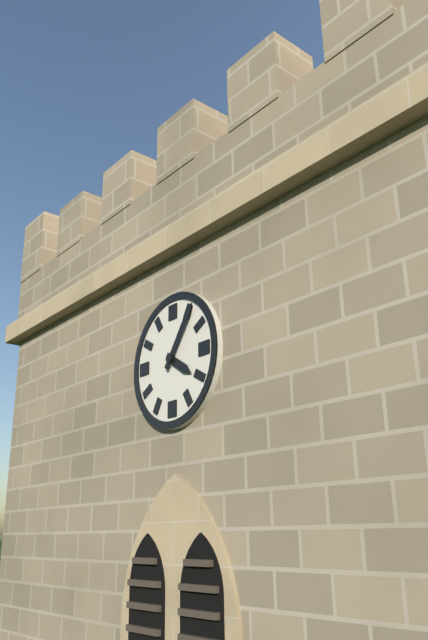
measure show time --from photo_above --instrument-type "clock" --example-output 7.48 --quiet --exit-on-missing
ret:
4.06
